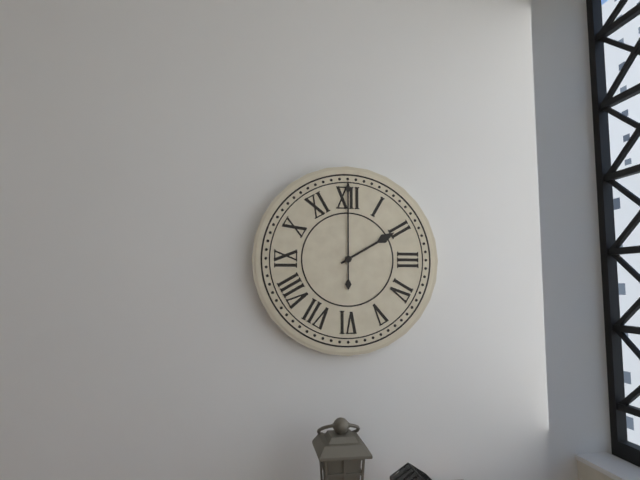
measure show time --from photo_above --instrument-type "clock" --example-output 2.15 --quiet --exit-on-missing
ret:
2.00
